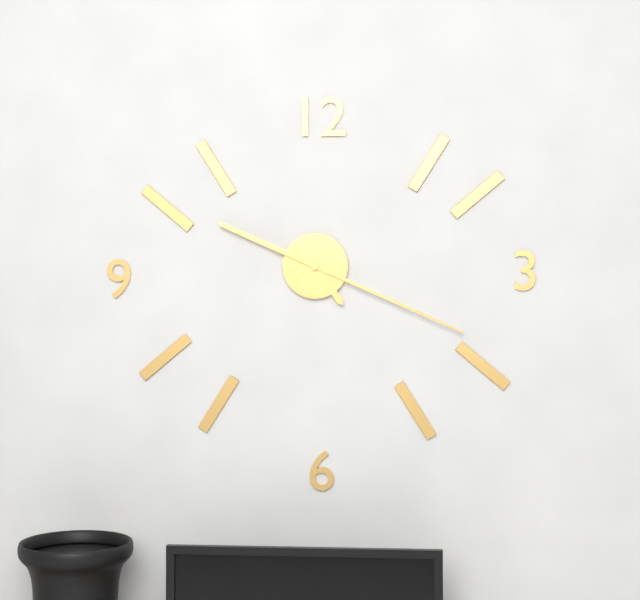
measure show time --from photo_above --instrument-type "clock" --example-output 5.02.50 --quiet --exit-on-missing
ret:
4.49.19
